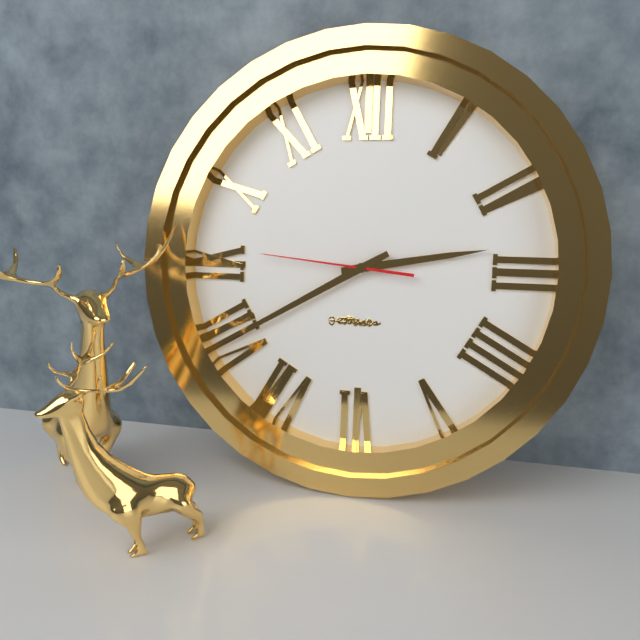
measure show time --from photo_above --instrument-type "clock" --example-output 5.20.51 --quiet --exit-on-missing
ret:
2.40.46
